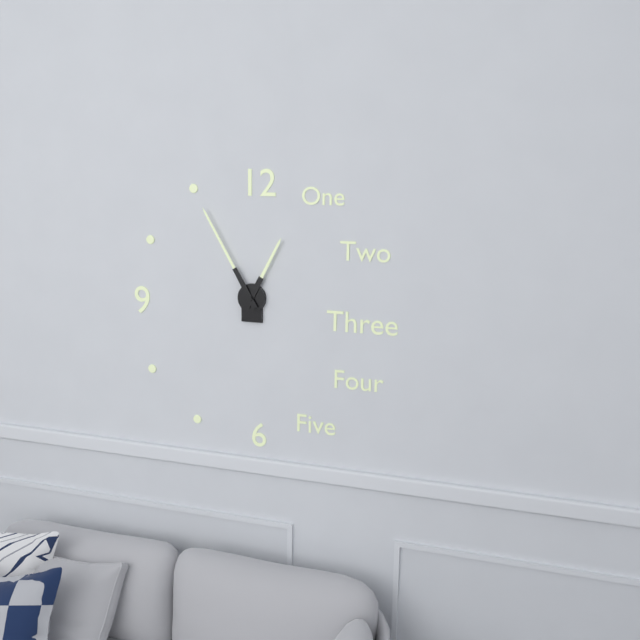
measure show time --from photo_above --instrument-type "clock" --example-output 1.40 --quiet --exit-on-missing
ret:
12.55
